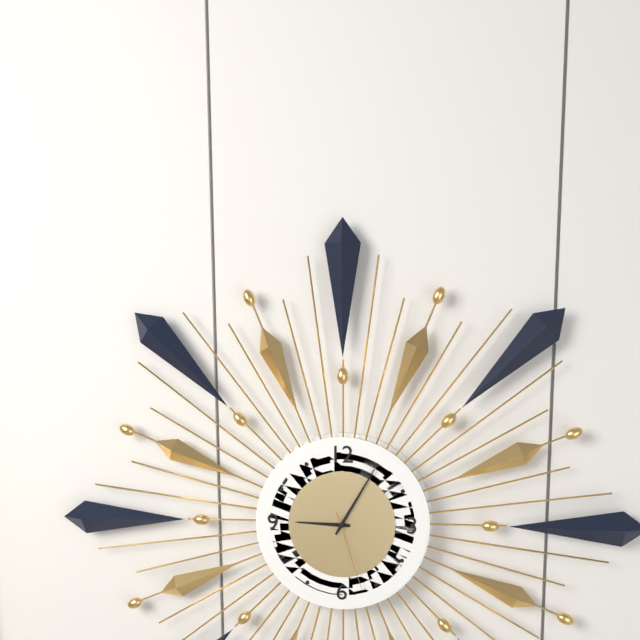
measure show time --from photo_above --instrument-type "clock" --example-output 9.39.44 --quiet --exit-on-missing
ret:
9.05.27
